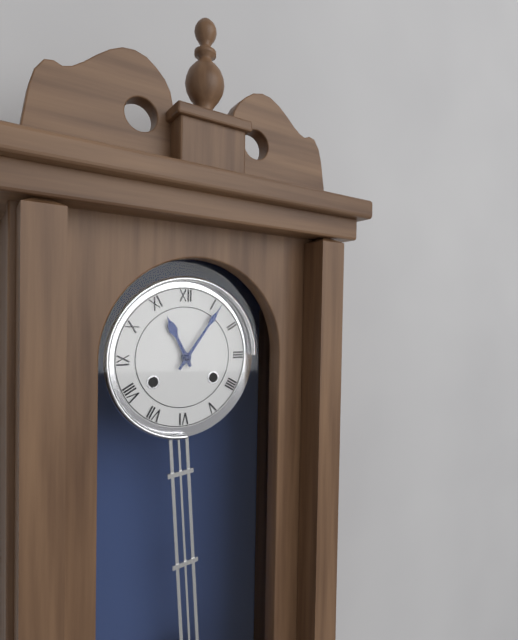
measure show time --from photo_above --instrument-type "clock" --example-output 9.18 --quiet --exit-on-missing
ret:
11.06
